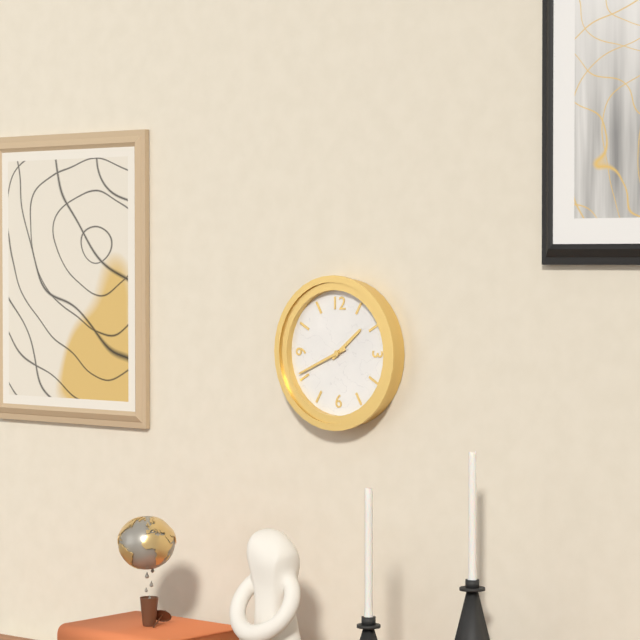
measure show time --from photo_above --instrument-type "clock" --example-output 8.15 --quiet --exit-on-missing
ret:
1.41
